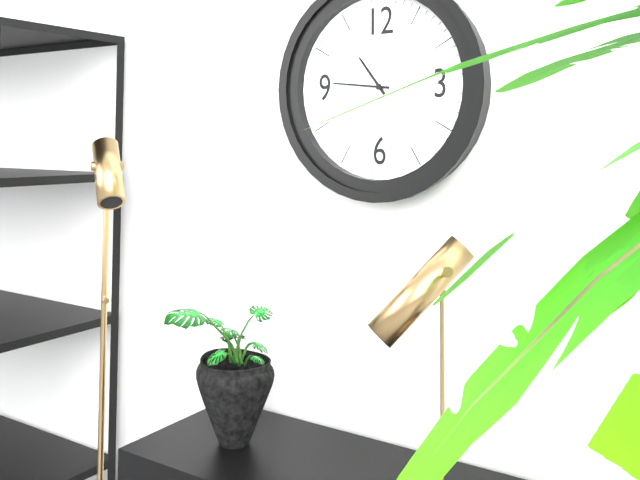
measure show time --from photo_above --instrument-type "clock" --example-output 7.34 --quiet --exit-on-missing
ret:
10.46
